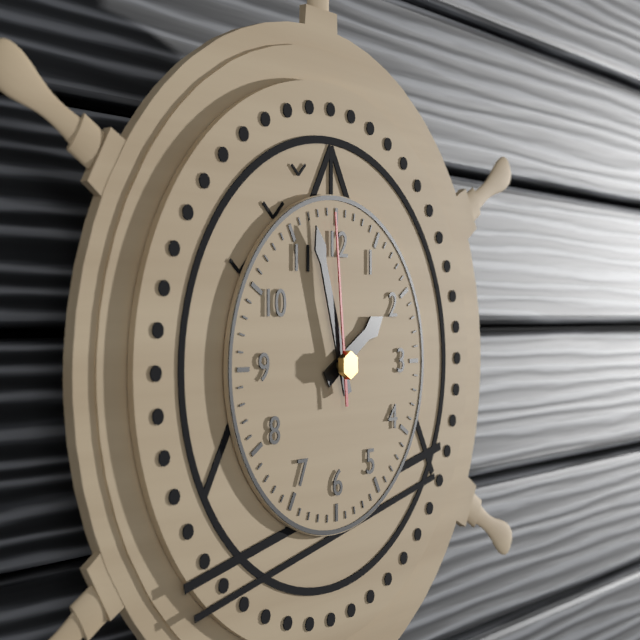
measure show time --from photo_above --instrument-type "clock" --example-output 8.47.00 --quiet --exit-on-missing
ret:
1.57.59
